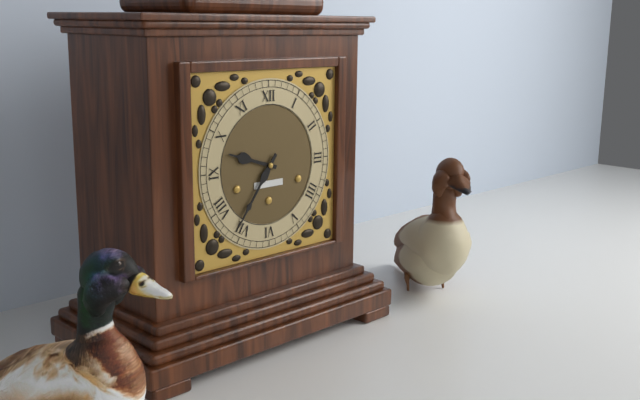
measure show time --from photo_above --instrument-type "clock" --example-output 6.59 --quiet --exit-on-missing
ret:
9.36
